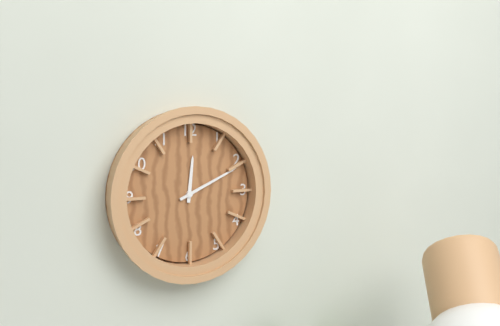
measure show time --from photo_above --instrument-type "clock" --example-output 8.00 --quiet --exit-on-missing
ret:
12.11
